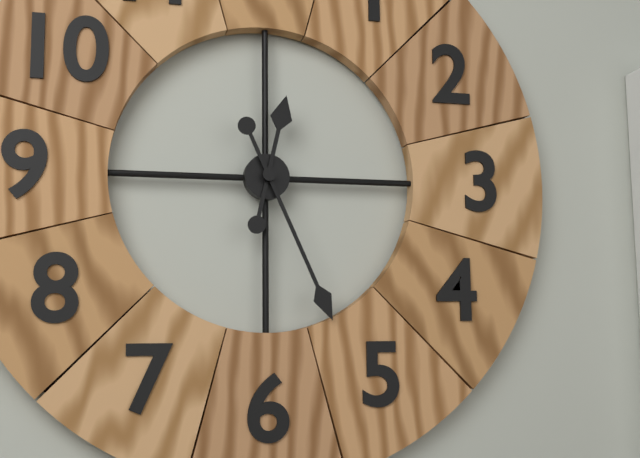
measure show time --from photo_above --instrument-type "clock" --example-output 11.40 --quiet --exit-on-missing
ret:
12.26
